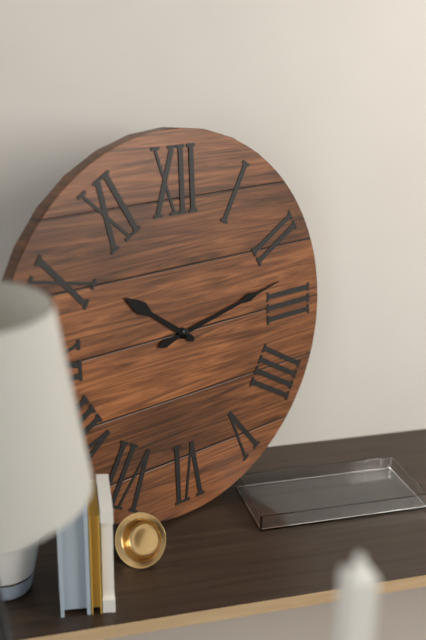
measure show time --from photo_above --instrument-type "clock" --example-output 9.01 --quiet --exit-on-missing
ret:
10.13
